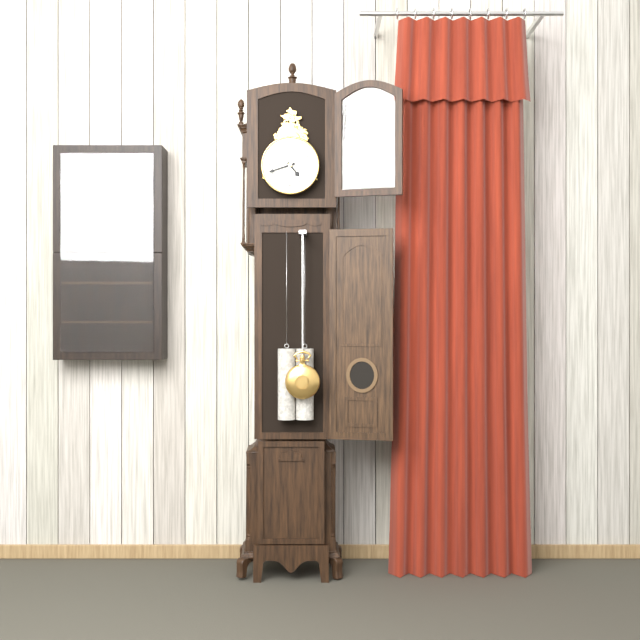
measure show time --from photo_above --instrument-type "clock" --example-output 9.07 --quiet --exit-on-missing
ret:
4.42
